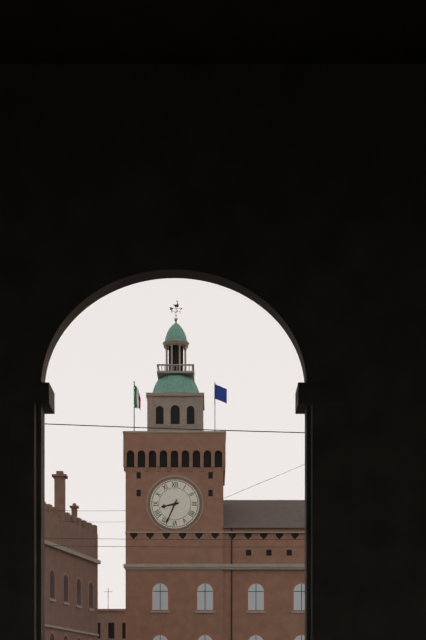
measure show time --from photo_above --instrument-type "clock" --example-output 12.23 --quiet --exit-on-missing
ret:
8.34
